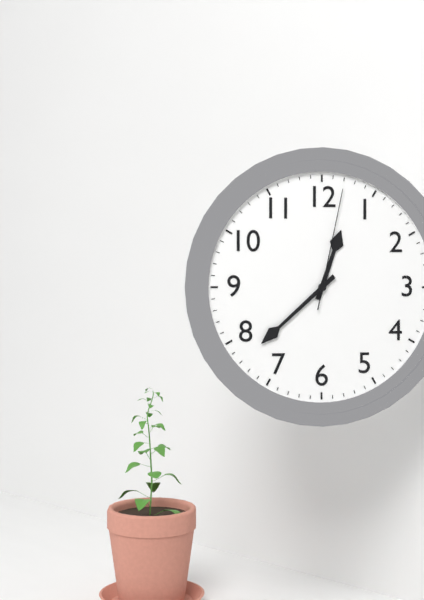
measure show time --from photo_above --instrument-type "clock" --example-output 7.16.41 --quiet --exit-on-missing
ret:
12.38.02
